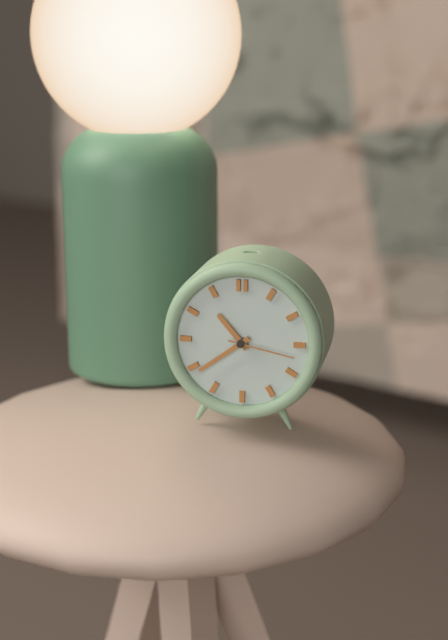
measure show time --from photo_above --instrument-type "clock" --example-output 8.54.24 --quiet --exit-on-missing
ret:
10.39.17
